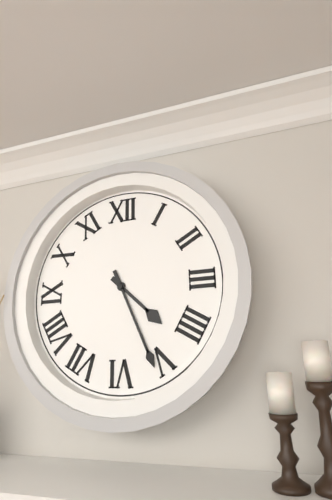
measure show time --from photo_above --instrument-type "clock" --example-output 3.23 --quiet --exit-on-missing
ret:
4.26
